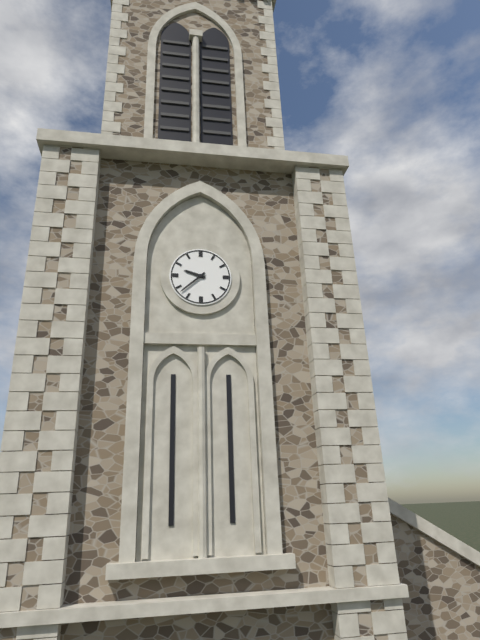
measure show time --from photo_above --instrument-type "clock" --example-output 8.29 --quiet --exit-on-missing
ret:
9.38
